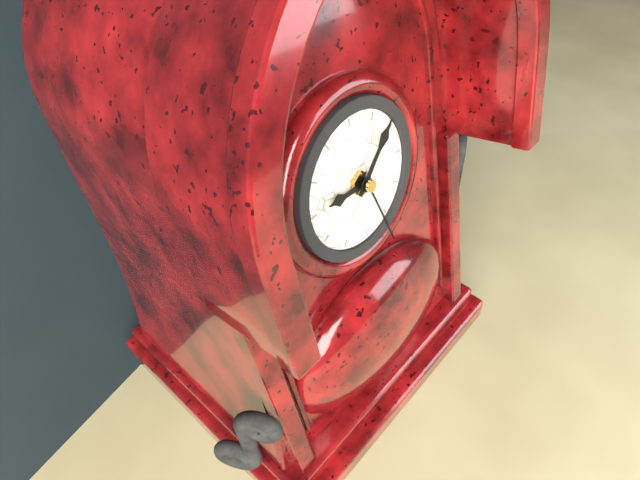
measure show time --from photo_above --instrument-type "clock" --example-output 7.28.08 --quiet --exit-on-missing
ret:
9.08.27
